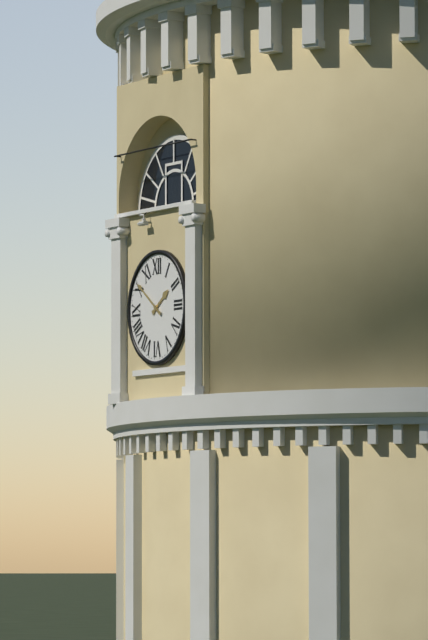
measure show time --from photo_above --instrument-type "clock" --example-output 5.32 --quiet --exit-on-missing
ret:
1.51
